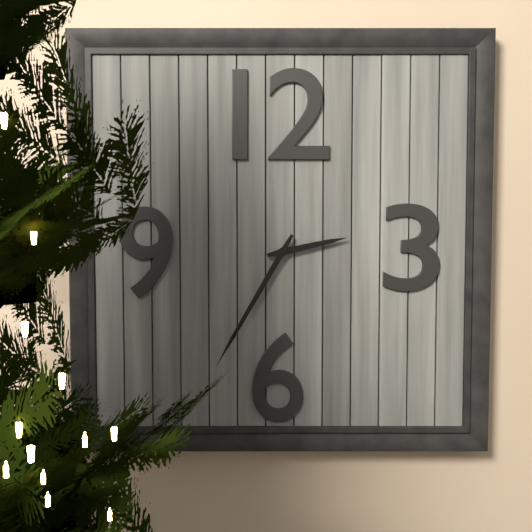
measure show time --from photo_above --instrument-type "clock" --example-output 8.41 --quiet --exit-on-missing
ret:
2.35
